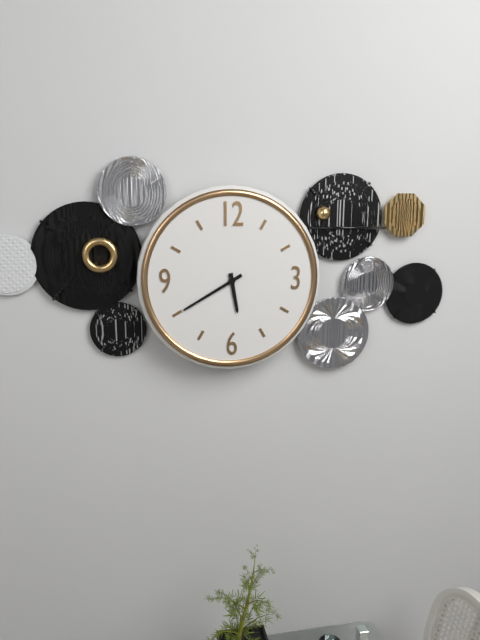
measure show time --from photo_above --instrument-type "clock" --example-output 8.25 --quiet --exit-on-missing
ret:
5.40
